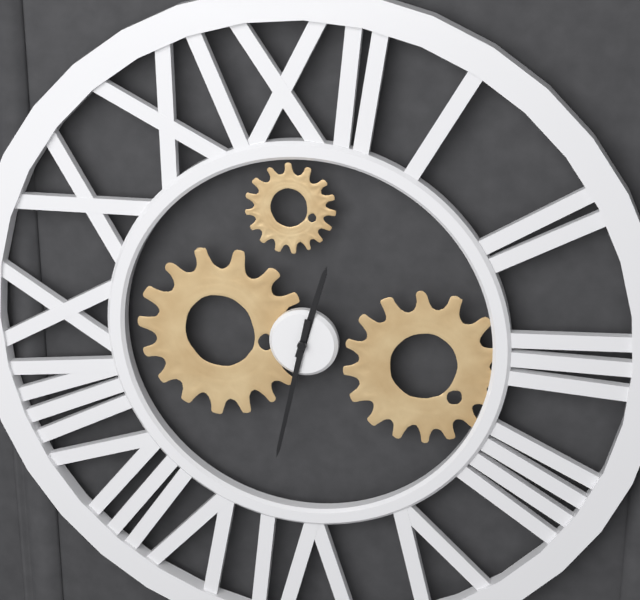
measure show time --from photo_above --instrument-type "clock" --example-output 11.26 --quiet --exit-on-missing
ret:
12.32
